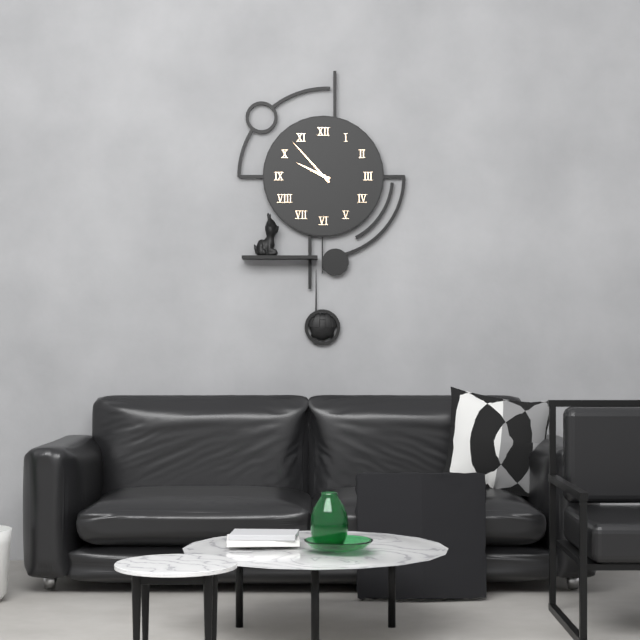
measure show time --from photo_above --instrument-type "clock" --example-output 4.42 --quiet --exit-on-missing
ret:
9.53
